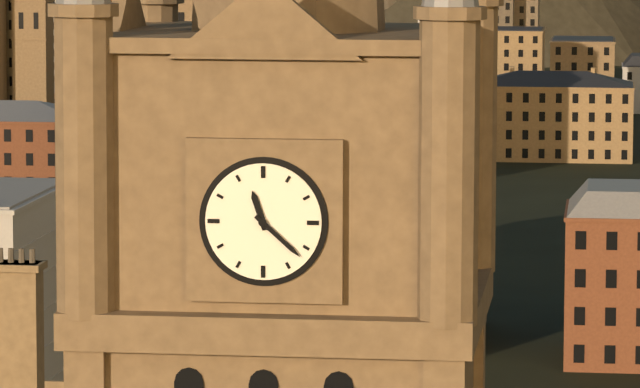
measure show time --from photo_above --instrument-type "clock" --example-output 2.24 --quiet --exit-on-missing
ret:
11.22
